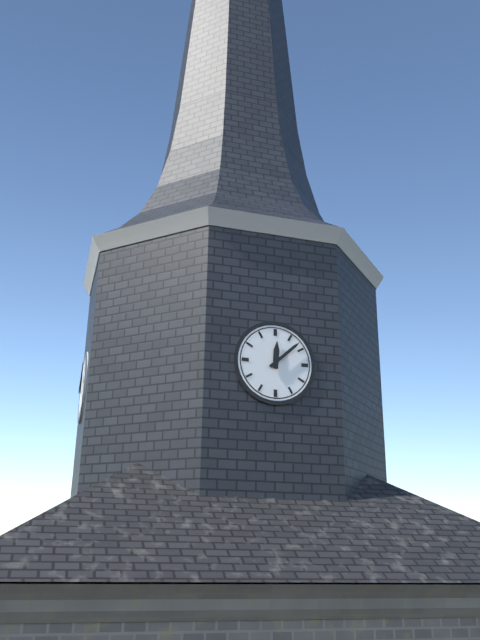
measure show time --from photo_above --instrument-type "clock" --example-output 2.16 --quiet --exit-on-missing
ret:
12.08
